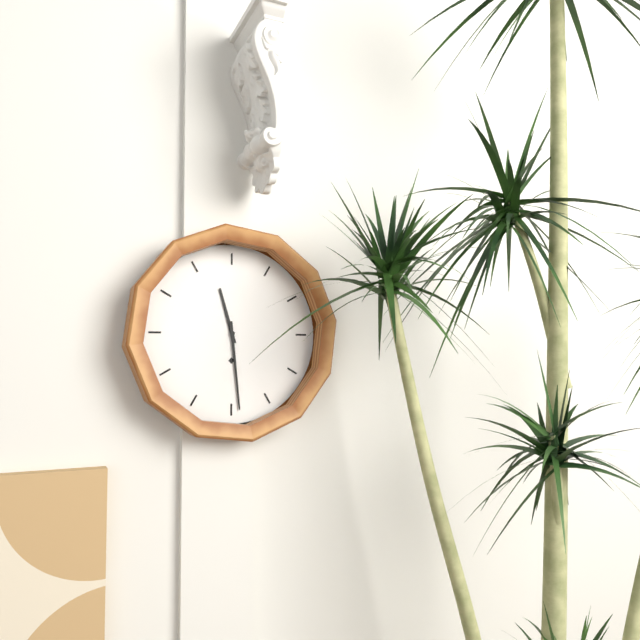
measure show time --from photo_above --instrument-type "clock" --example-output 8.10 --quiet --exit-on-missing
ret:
11.29
